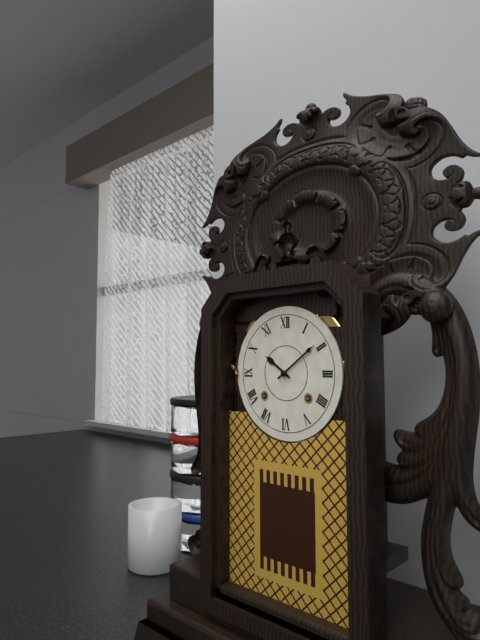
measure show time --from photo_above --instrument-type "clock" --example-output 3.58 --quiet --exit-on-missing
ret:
10.09
